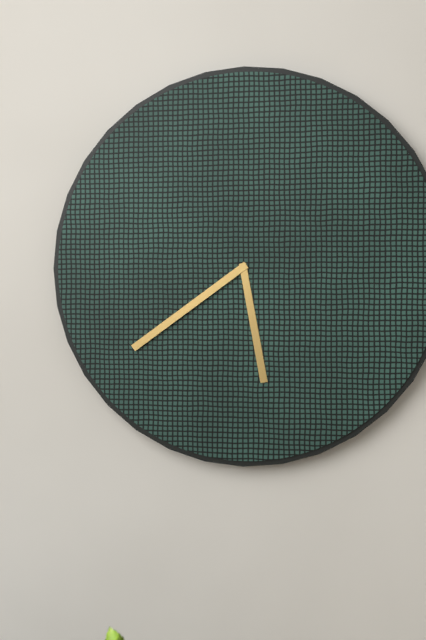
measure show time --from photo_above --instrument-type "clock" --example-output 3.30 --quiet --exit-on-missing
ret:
5.39
